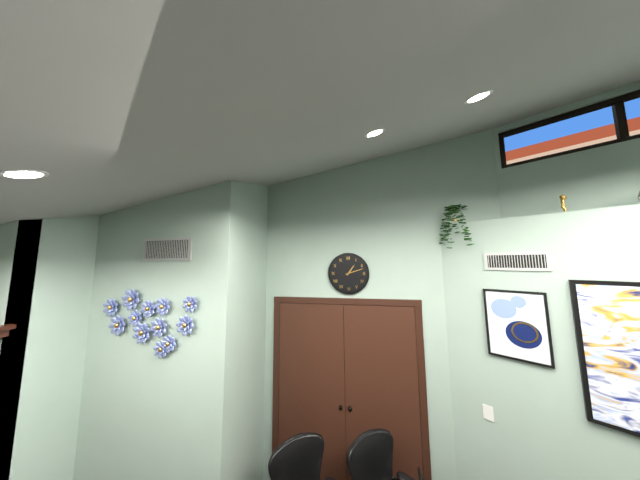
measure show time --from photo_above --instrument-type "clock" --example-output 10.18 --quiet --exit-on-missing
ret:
1.12
